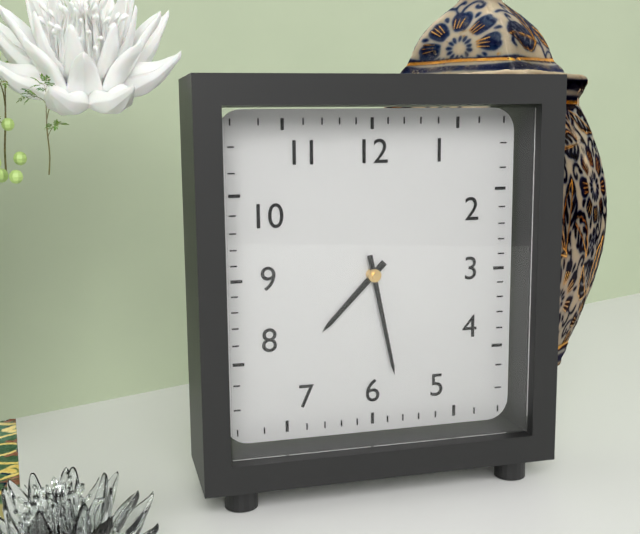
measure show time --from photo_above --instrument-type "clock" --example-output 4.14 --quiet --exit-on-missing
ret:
7.28
